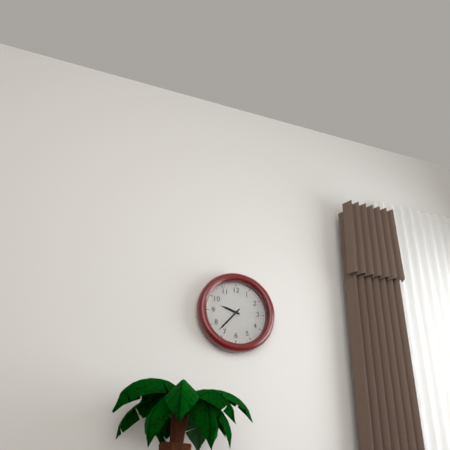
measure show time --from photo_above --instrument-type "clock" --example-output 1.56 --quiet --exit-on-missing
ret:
9.37
